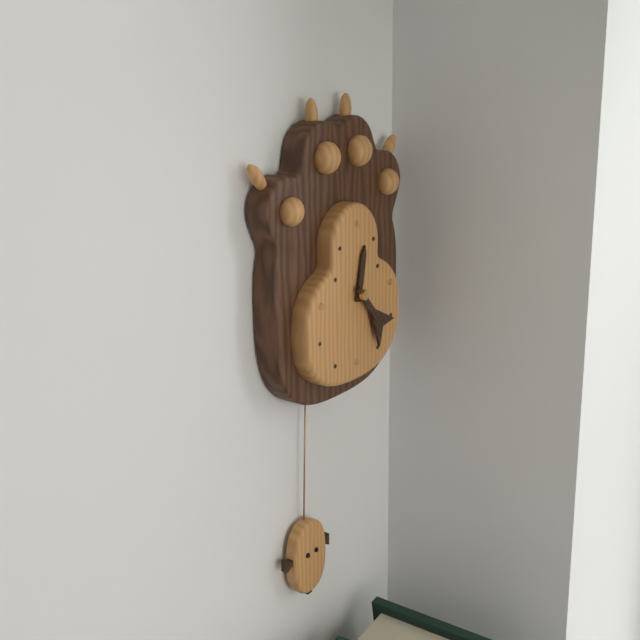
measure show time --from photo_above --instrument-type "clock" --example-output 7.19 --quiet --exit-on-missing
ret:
12.23
